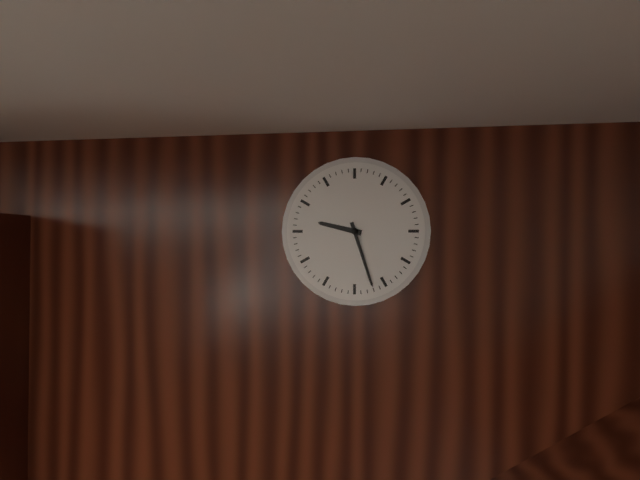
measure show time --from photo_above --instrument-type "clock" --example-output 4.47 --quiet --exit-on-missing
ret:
9.27
